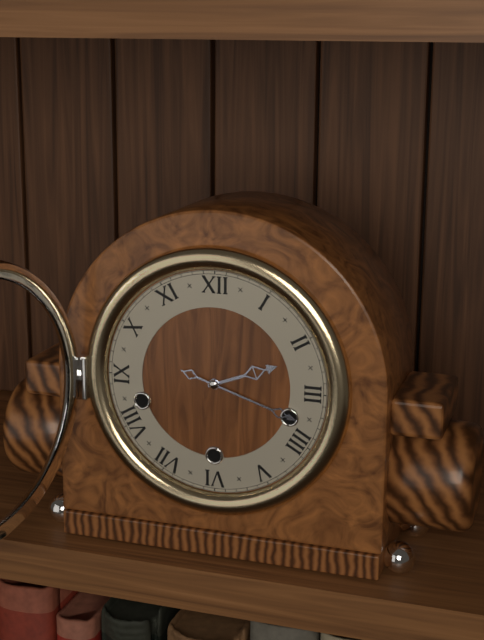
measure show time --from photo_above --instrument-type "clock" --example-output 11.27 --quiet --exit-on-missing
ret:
2.18
